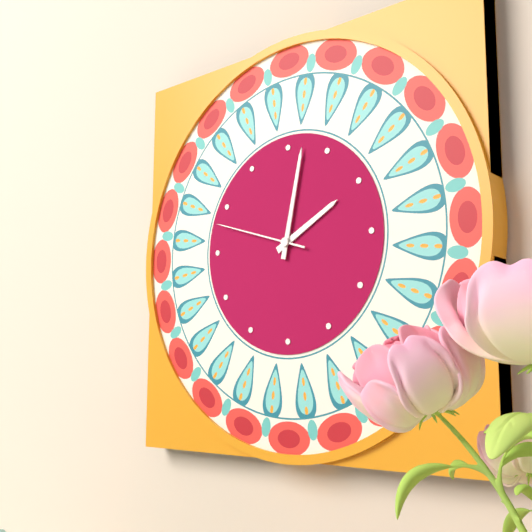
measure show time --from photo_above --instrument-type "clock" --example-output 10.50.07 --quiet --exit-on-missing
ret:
2.02.48
